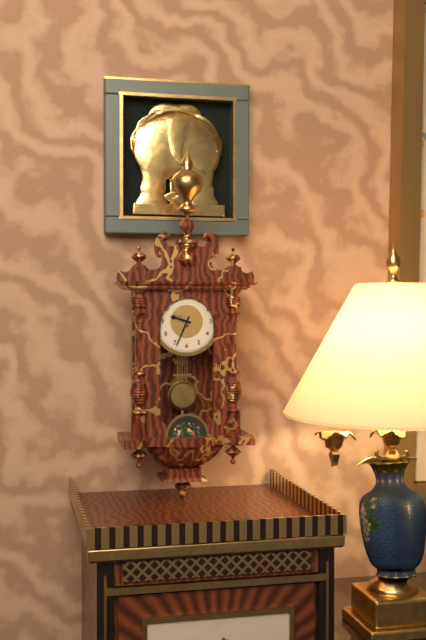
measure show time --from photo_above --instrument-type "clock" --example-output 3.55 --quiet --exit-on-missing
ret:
9.34
